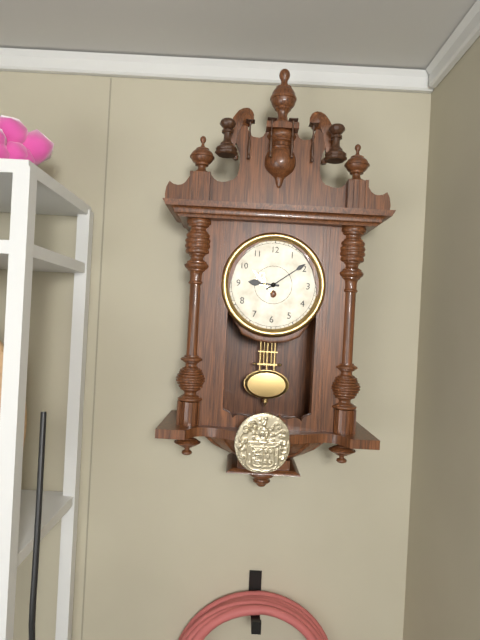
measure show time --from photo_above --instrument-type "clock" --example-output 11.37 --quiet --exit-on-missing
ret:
9.09
